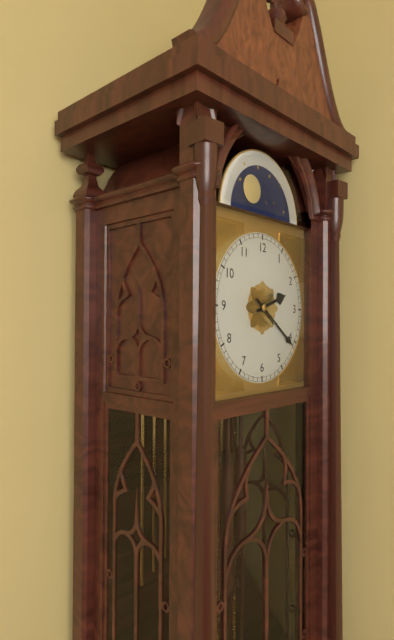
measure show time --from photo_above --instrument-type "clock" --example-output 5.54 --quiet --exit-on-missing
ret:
2.21
